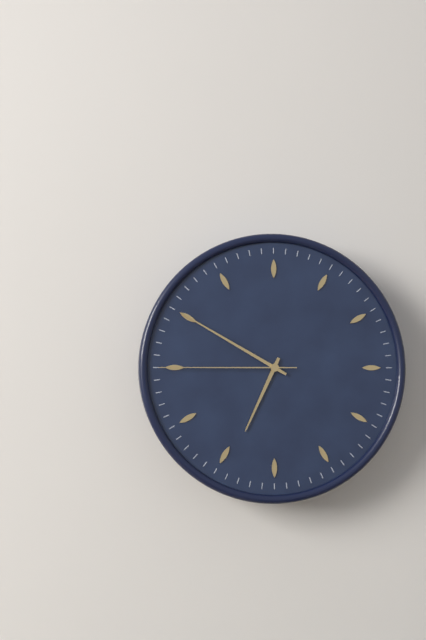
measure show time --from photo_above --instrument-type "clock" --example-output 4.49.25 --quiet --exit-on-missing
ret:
6.50.45
